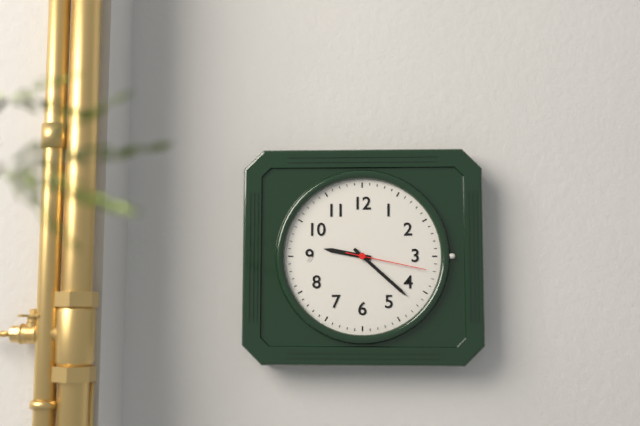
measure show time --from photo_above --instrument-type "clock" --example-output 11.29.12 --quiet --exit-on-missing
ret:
9.22.17
